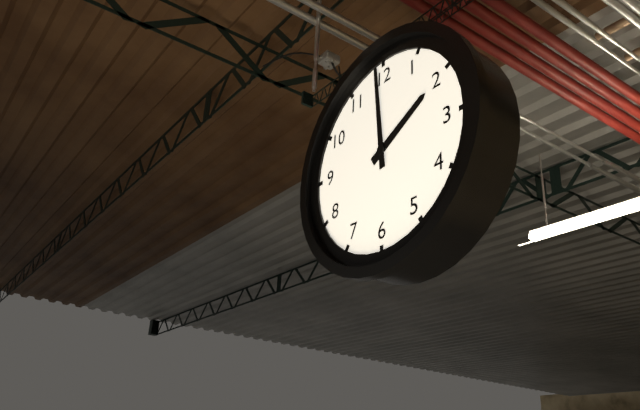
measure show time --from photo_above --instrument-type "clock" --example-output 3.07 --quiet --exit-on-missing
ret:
1.59
